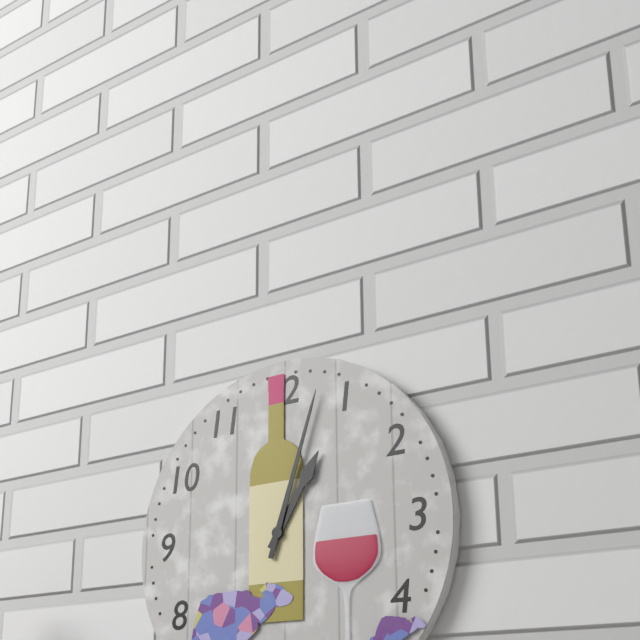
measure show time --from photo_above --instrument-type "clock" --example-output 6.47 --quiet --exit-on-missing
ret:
1.03
